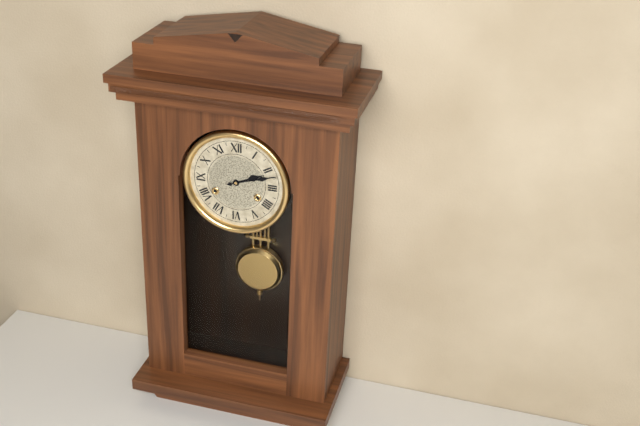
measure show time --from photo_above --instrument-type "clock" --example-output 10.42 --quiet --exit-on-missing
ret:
2.12
